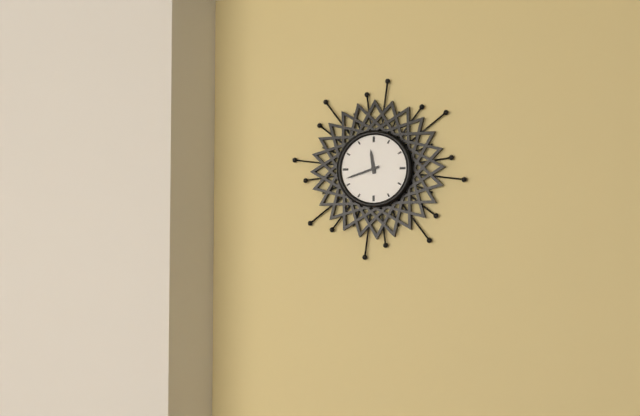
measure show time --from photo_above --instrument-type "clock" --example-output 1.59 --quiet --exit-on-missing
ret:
11.42
